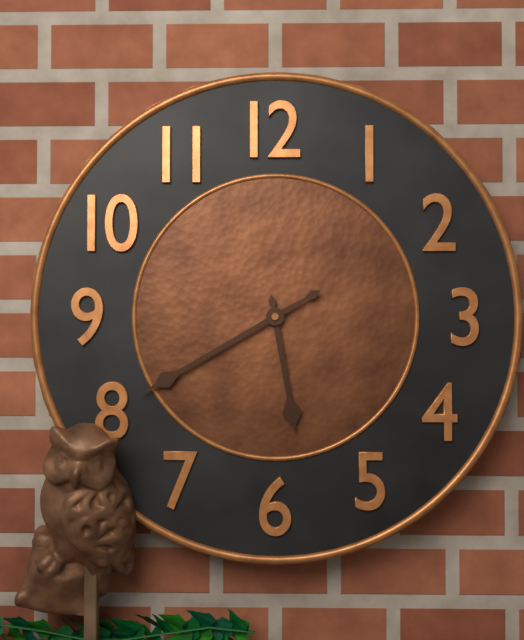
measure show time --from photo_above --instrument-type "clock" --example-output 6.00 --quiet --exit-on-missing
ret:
5.40
